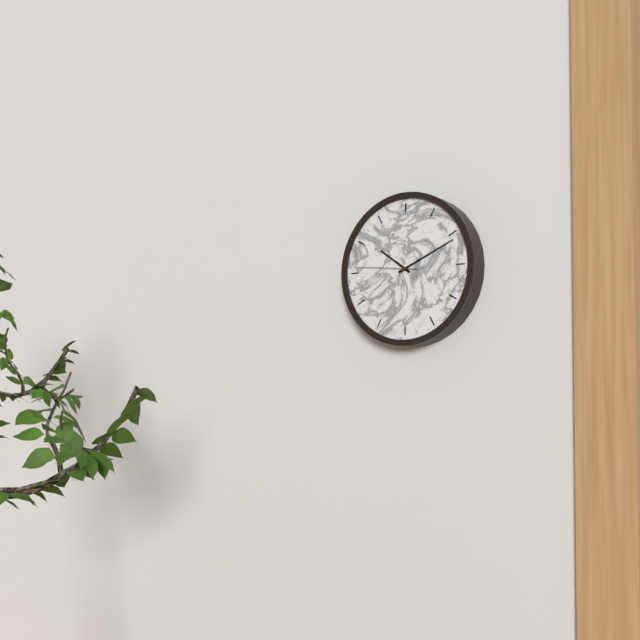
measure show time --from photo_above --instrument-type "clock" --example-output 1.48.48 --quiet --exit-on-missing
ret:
10.11.46
